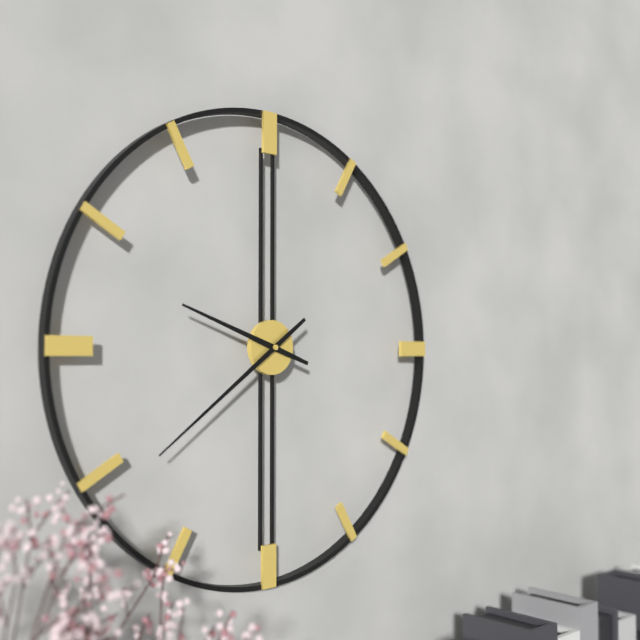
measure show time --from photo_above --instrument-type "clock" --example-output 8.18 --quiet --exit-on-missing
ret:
9.39
